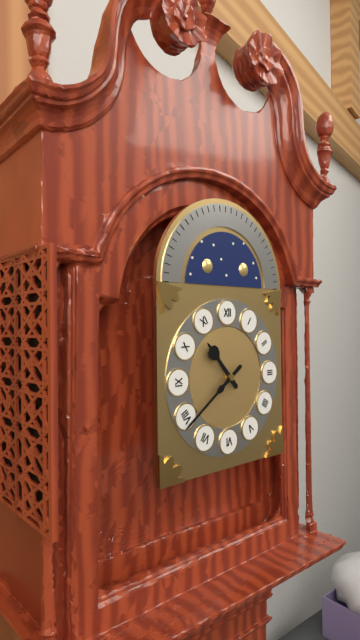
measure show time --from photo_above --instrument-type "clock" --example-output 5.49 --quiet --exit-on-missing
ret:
10.39
